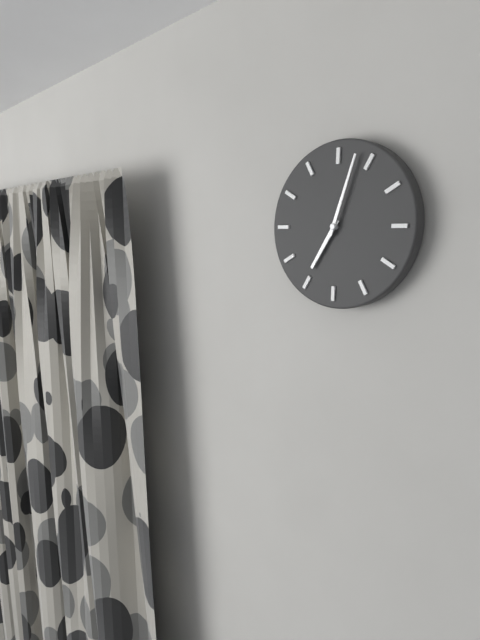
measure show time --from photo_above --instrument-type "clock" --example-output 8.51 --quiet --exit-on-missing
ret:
7.03
